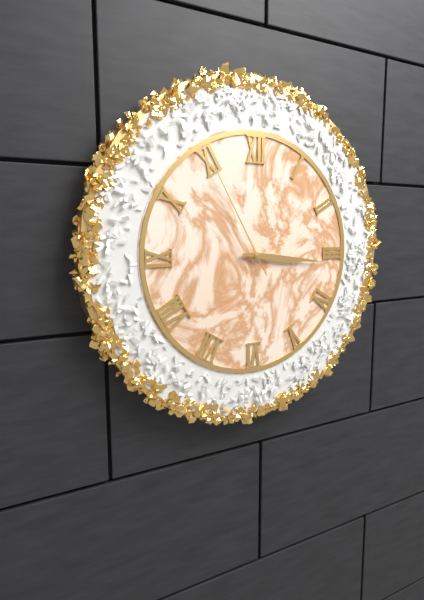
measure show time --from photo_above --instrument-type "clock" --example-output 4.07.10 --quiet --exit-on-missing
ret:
3.16.55
